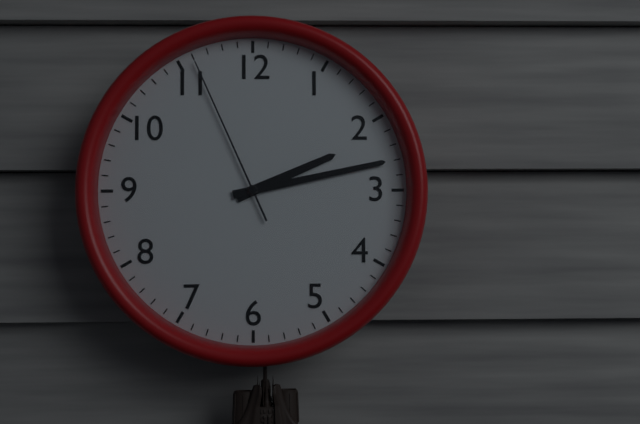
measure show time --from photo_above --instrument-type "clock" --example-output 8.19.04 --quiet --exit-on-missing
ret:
2.13.56
